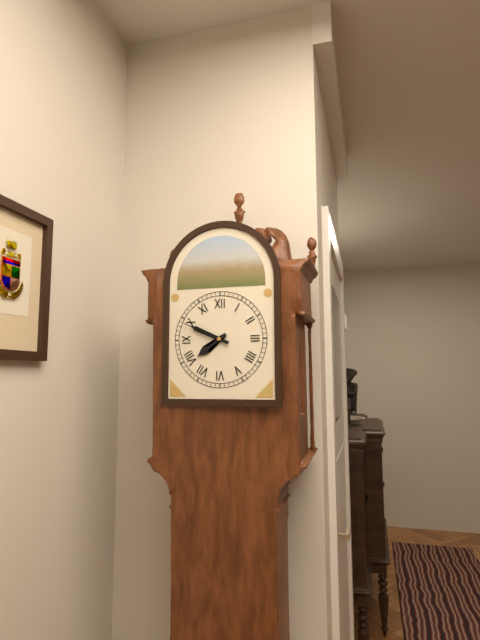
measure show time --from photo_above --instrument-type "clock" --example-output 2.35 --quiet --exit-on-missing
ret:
7.49
